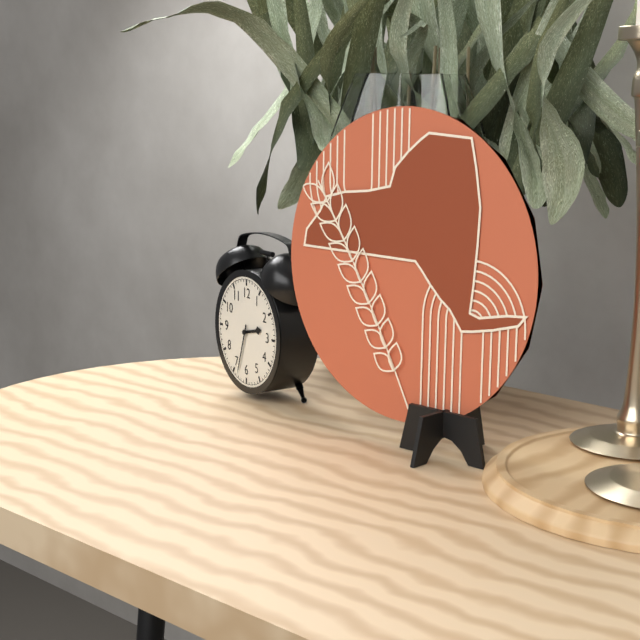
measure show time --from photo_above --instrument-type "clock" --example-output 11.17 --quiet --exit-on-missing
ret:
2.33
